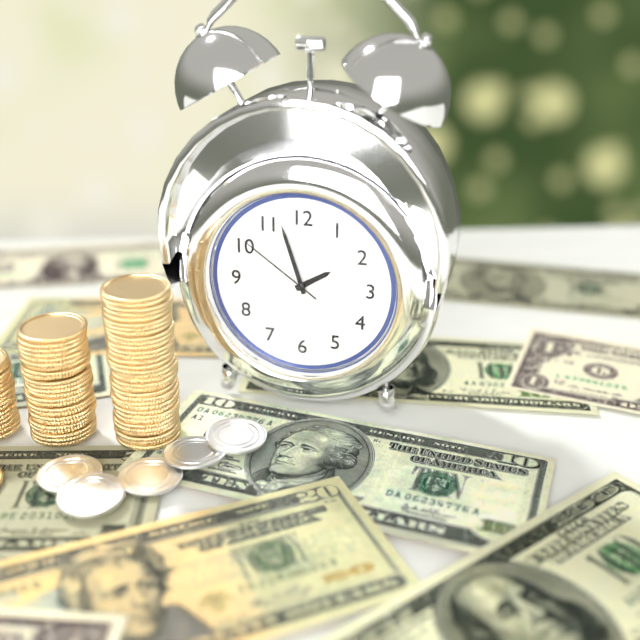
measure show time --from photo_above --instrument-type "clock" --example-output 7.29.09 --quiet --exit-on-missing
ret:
1.57.51
